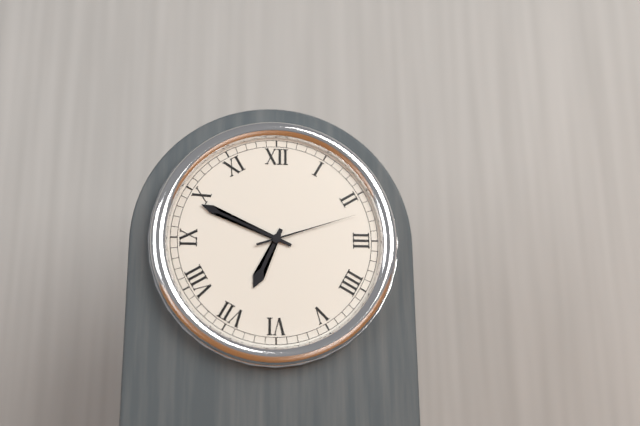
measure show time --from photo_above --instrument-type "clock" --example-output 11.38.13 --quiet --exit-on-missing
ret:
6.49.12
